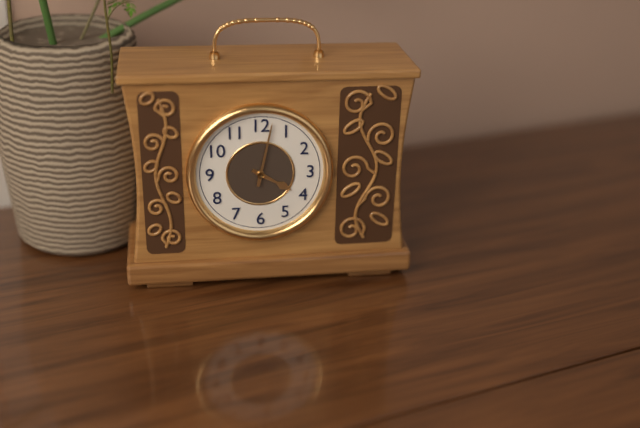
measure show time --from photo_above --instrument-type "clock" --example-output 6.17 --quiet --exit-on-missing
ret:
4.02
